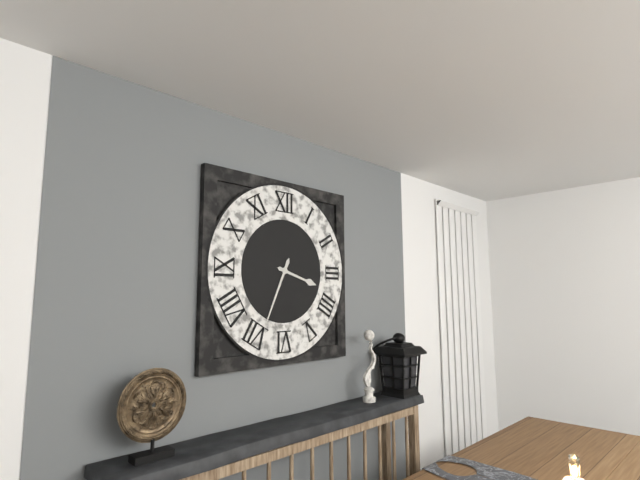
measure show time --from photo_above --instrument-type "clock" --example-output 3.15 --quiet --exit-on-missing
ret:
3.34
